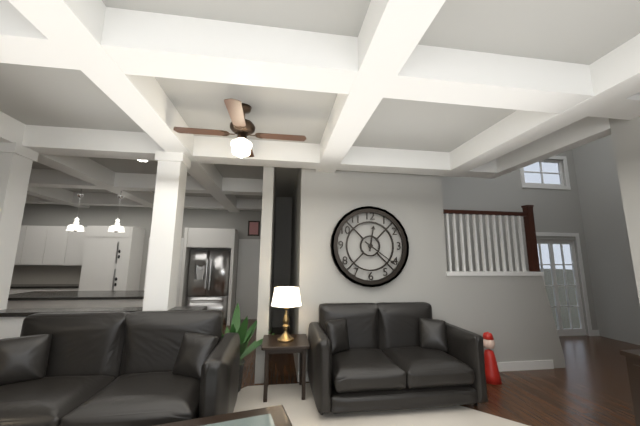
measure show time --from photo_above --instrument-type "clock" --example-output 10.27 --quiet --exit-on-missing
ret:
12.21
